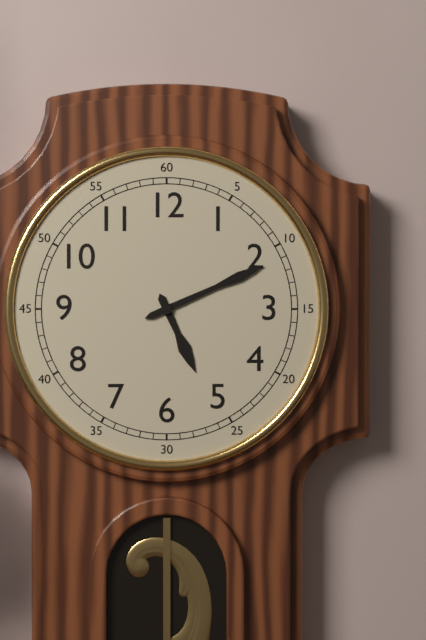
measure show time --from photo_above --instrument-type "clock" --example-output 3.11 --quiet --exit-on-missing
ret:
5.11
